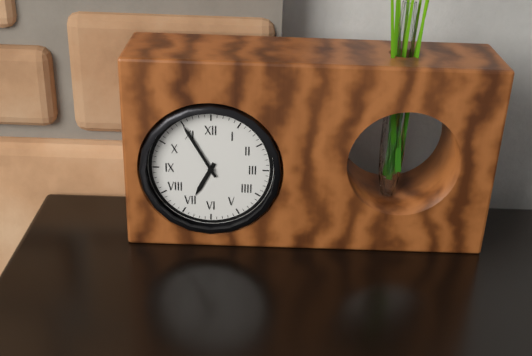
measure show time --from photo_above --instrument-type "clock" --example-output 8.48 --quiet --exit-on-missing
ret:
6.55
